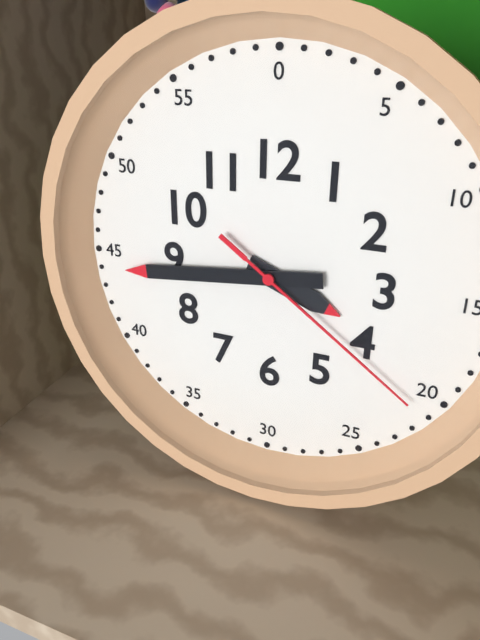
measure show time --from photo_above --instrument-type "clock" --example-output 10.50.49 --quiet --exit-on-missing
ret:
3.44.21
